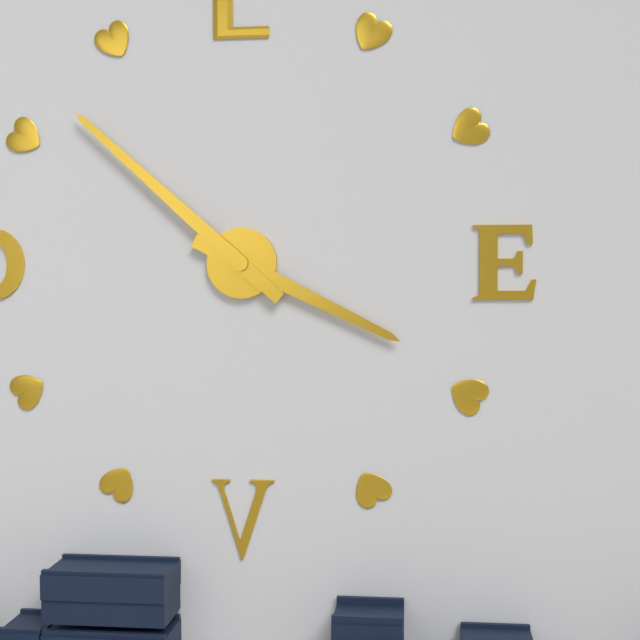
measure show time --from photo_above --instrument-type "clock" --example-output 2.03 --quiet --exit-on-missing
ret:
3.52
